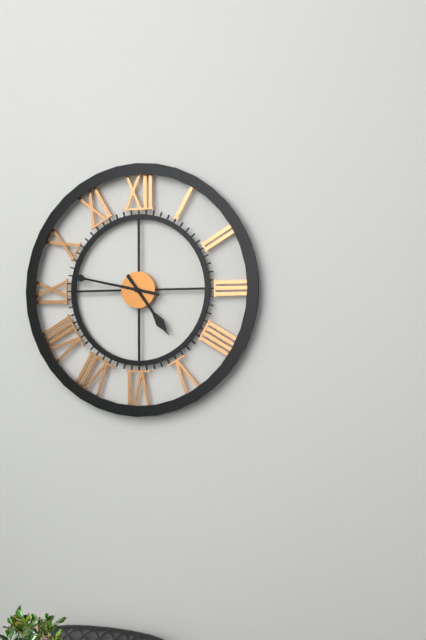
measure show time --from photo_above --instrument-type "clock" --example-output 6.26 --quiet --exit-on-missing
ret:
4.47
